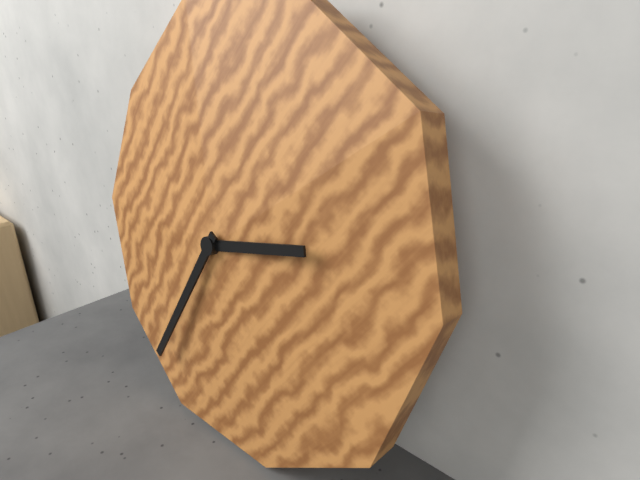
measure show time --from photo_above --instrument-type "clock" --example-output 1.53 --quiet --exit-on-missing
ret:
2.35
